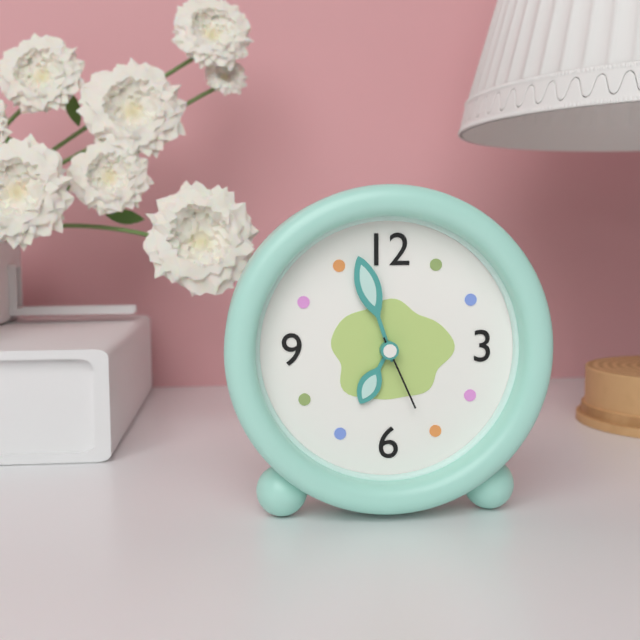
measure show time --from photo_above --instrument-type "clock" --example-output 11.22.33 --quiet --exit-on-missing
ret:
6.57.26
